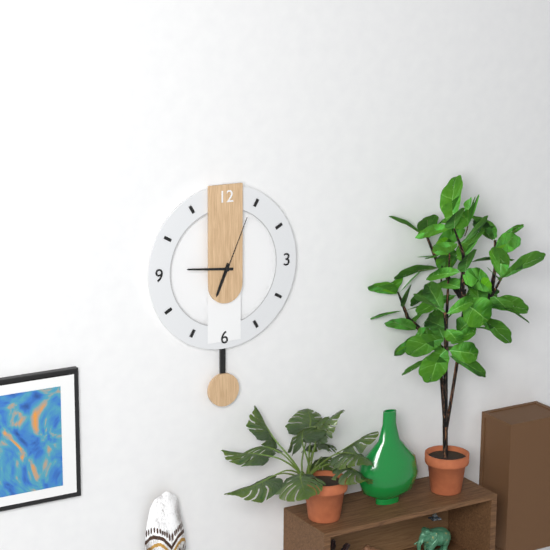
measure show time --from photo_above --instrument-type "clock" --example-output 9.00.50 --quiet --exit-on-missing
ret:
6.46.04
